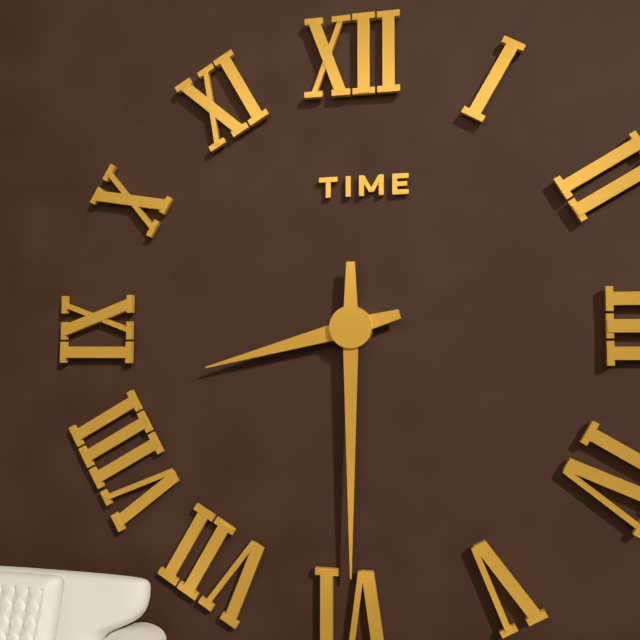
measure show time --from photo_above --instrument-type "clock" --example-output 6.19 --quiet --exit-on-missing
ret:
8.30
